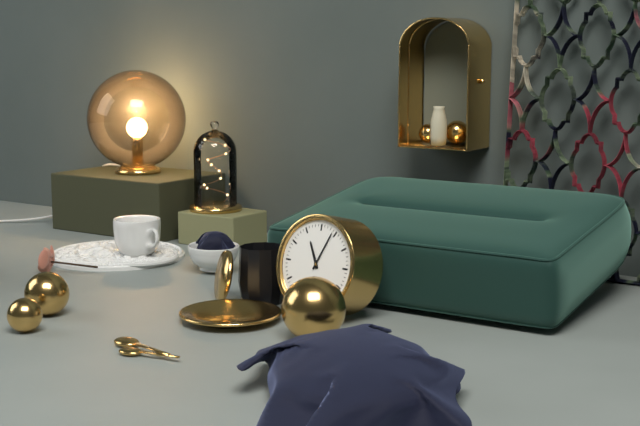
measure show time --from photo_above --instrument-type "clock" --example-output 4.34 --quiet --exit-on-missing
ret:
11.04
